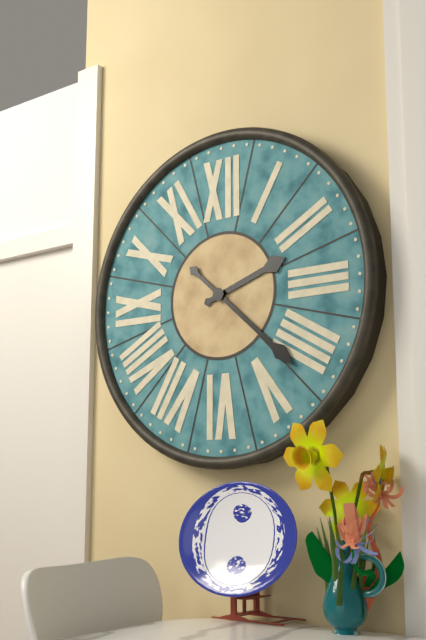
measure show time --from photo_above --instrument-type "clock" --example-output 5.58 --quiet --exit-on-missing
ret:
2.22
